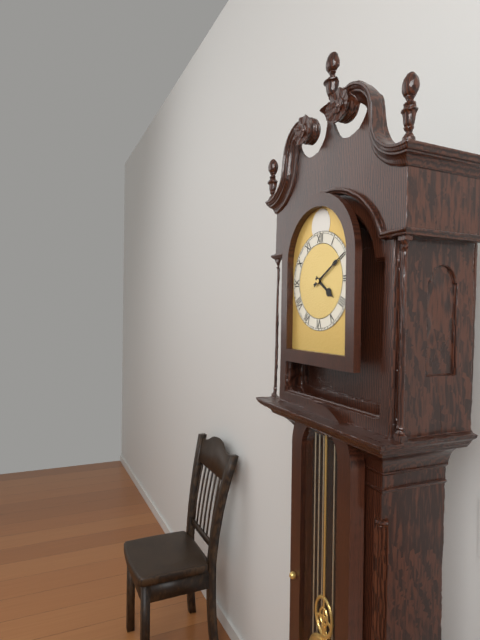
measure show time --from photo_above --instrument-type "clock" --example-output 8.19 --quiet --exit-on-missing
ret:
4.10
